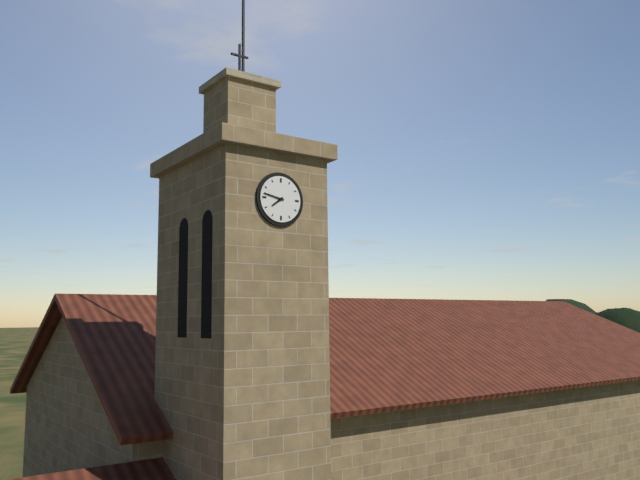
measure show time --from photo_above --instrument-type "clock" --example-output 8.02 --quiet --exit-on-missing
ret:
7.47
